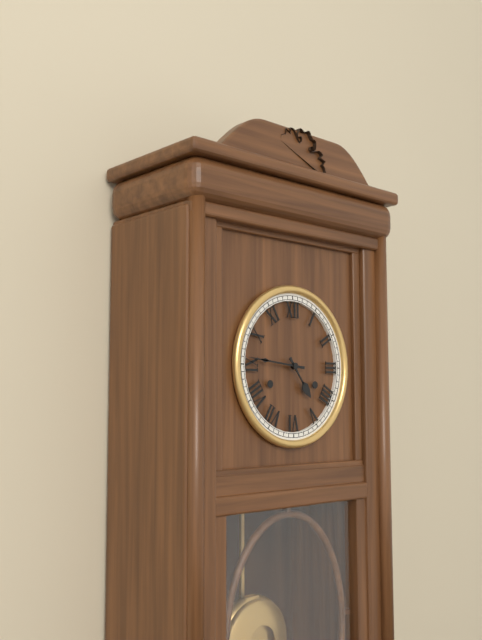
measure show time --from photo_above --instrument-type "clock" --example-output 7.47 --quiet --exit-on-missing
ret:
4.46
